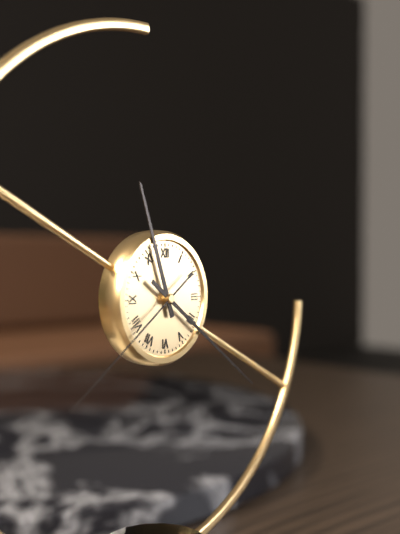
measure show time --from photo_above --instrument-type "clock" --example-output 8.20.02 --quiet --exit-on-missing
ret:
11.21.39
